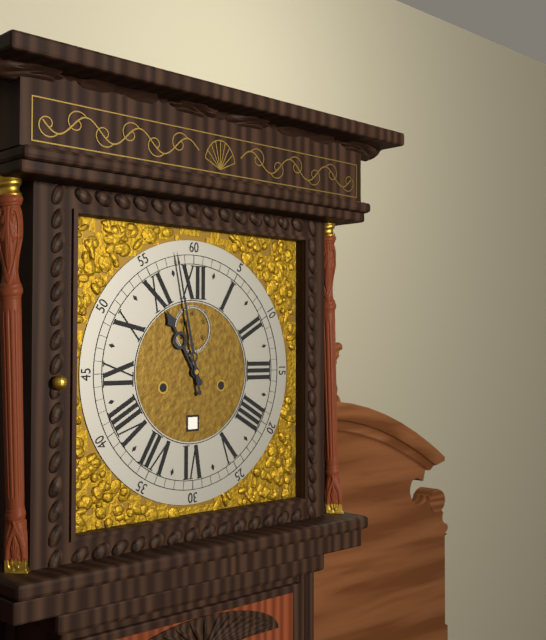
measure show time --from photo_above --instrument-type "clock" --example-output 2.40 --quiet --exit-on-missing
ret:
10.58
